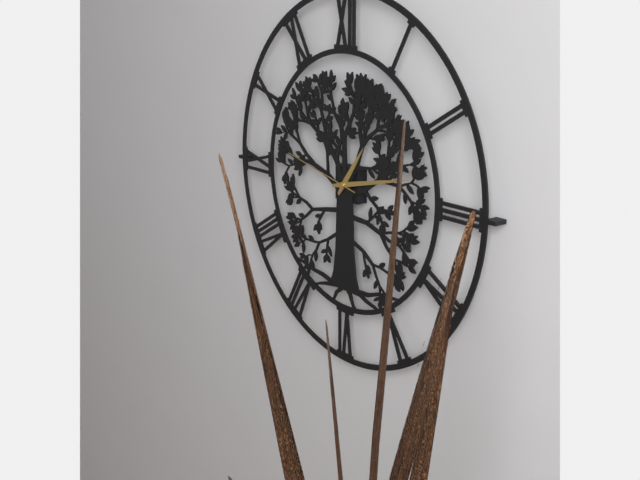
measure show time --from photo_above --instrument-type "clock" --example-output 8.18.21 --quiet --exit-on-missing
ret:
1.13.47
